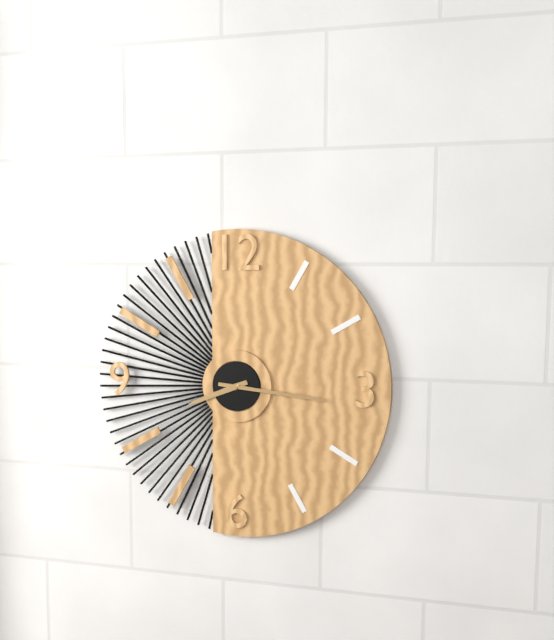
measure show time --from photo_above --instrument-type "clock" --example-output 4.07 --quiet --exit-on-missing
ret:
8.16
